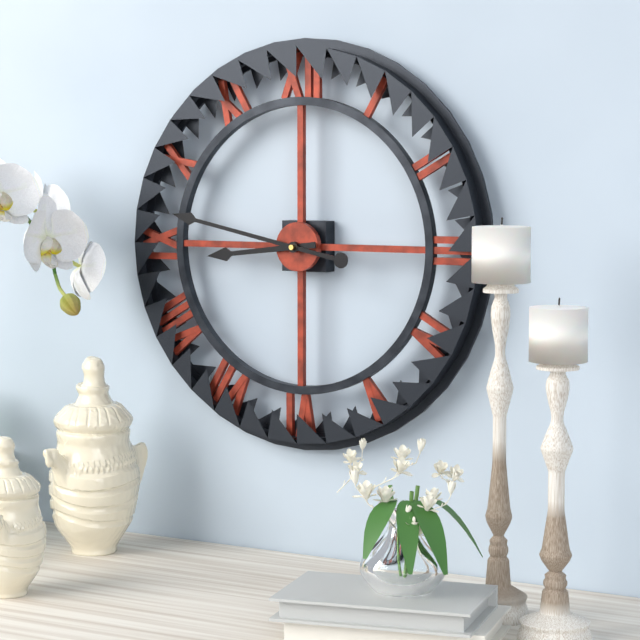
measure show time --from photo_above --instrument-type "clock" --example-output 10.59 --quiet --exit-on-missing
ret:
8.47
